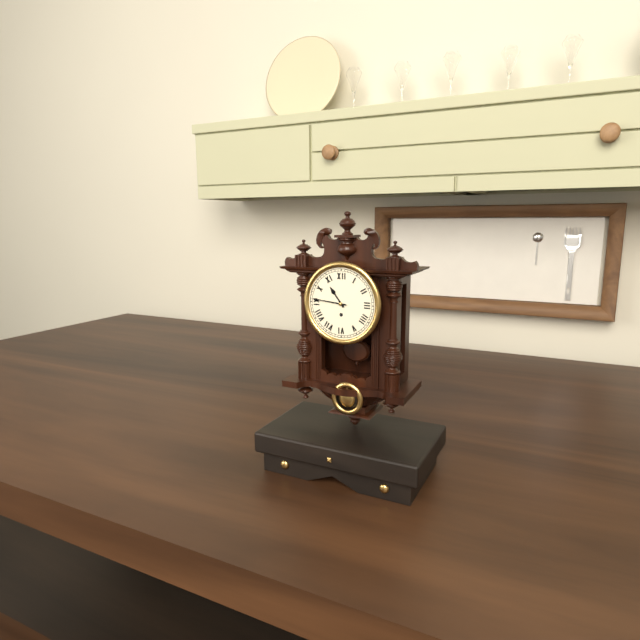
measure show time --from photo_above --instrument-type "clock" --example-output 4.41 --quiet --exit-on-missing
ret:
10.46
